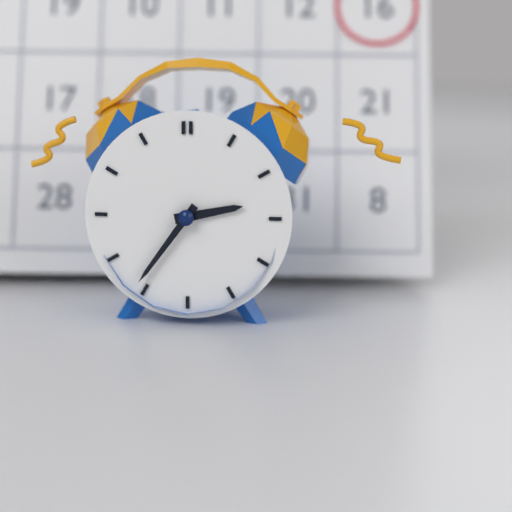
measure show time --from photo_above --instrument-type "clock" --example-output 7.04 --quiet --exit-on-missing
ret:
2.36
